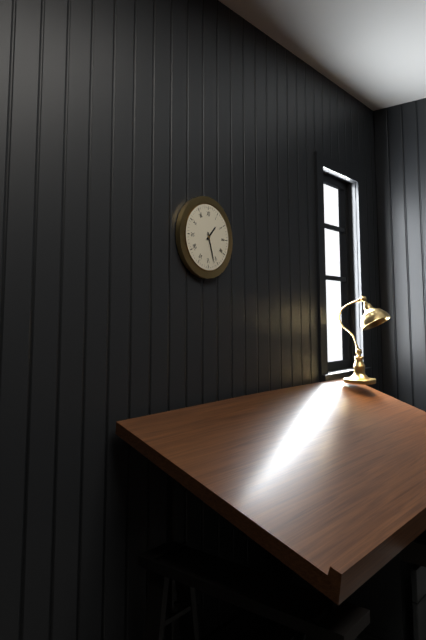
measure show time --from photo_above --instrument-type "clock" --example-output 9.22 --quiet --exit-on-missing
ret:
1.27
